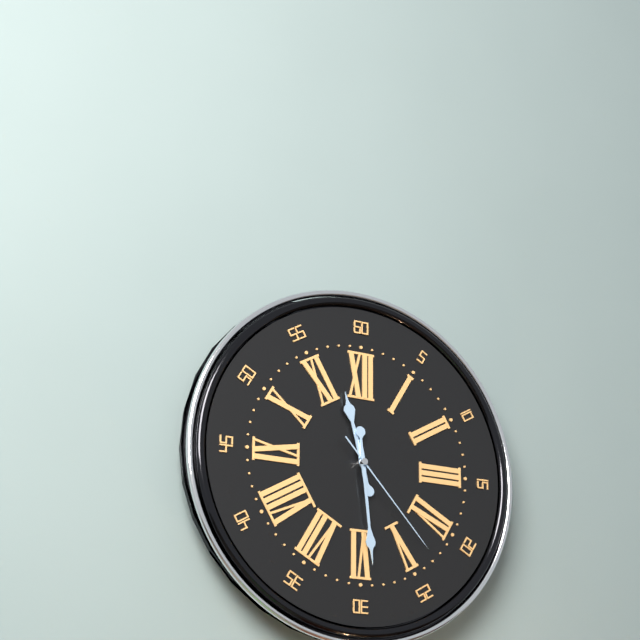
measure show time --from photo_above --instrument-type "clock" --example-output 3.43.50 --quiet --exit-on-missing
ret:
11.29.23
